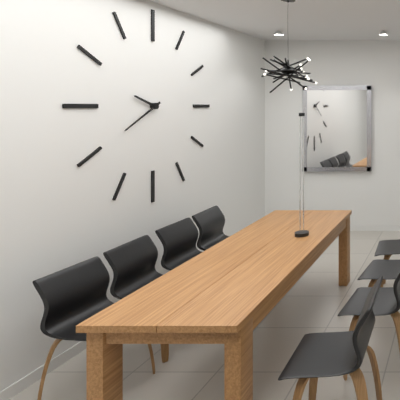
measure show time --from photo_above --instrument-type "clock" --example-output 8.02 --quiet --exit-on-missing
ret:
9.40
